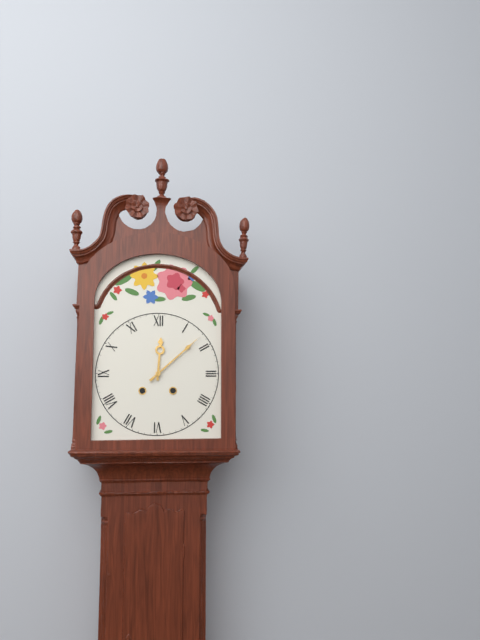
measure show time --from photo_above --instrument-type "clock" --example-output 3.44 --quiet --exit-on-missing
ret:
12.08
